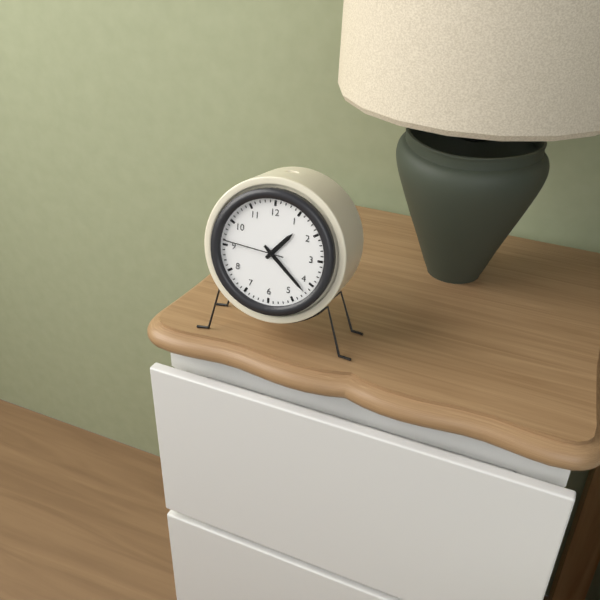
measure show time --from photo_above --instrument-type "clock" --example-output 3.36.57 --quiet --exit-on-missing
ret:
1.22.46
